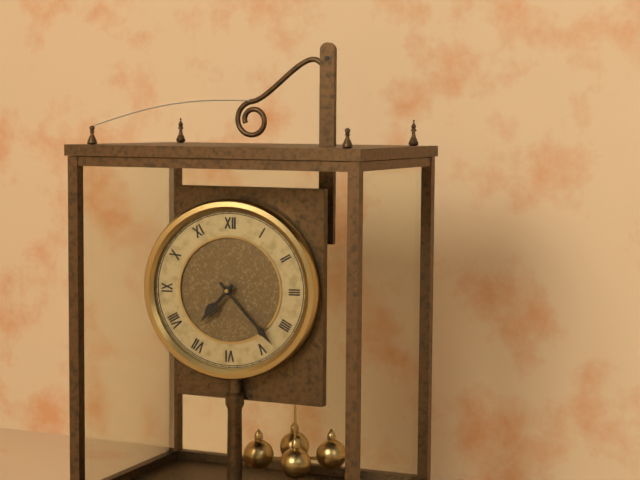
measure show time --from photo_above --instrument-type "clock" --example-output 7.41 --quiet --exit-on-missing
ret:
7.23
